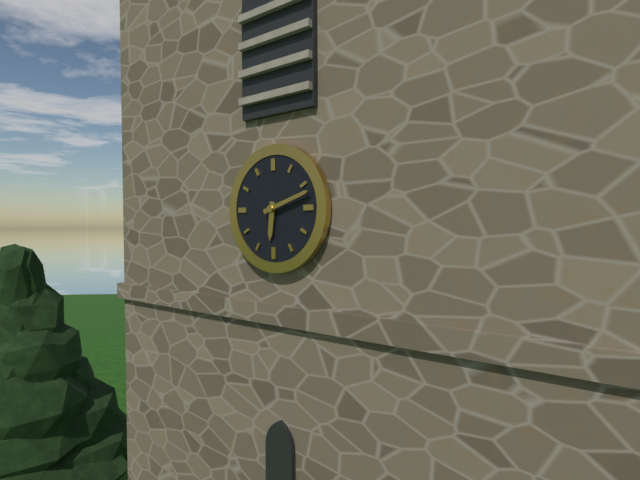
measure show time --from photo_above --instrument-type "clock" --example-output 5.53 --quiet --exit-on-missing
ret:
6.12
